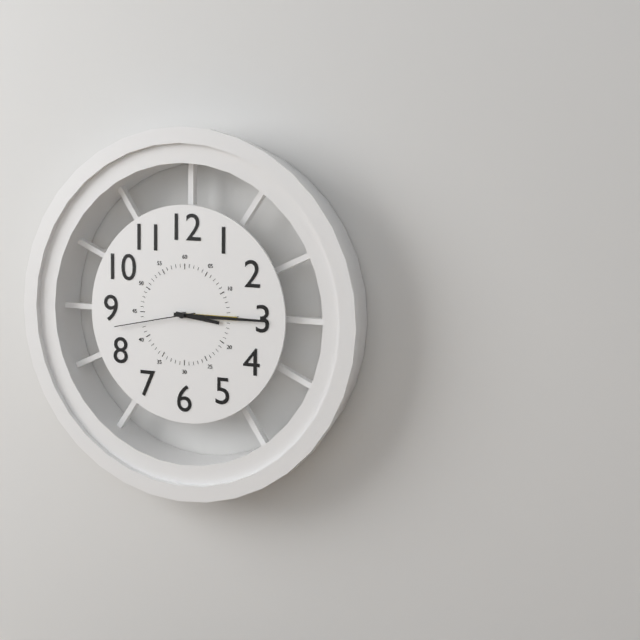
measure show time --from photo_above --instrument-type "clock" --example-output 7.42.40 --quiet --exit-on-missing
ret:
3.15.43
